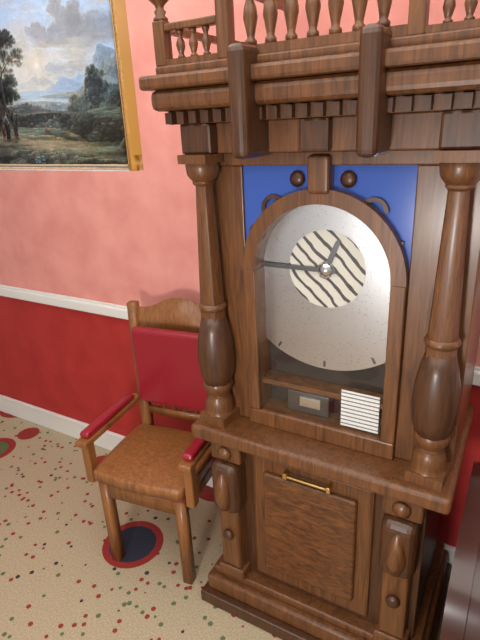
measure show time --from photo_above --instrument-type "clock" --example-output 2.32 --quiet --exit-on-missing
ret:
12.45
